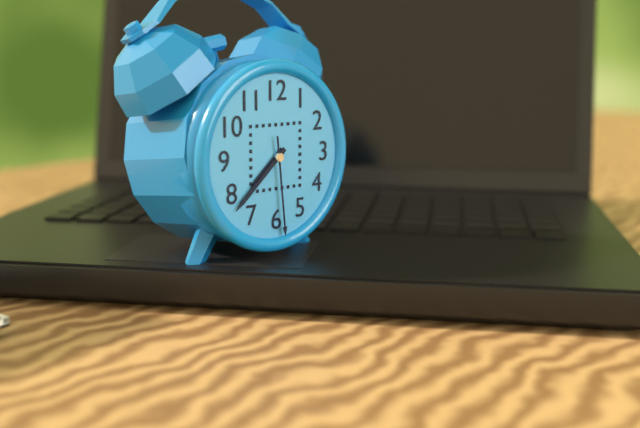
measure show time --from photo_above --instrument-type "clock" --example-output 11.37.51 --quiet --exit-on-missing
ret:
7.38.29
